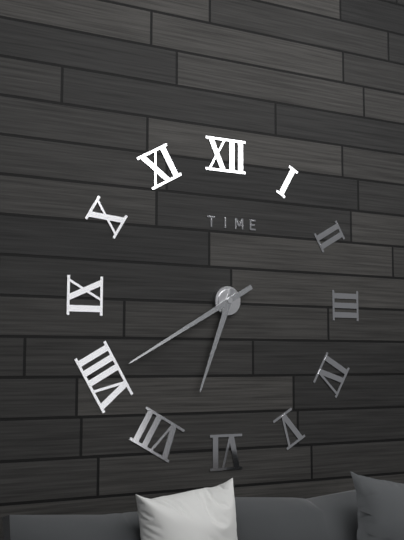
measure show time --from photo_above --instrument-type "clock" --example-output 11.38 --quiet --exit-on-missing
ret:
6.40
